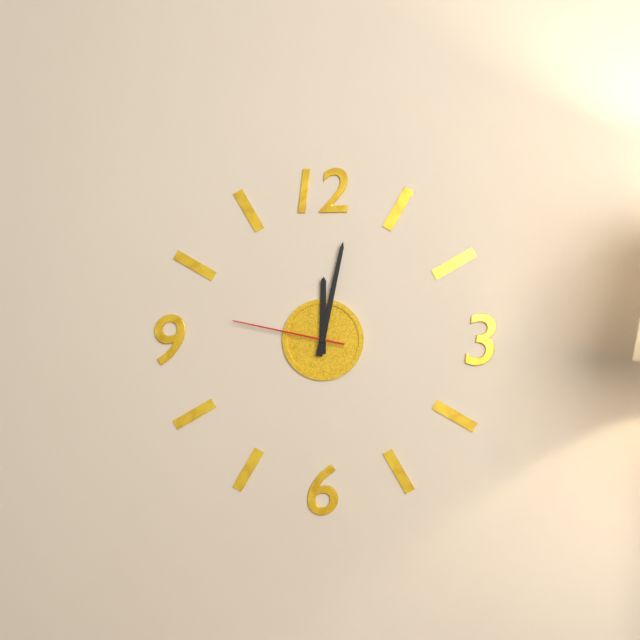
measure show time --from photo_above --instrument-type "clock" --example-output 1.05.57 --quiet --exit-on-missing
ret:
12.02.47
